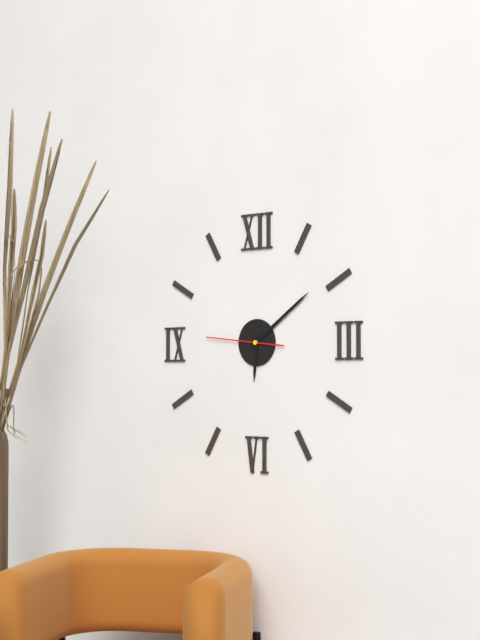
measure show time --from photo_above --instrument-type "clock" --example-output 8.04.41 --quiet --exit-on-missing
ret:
6.09.46
